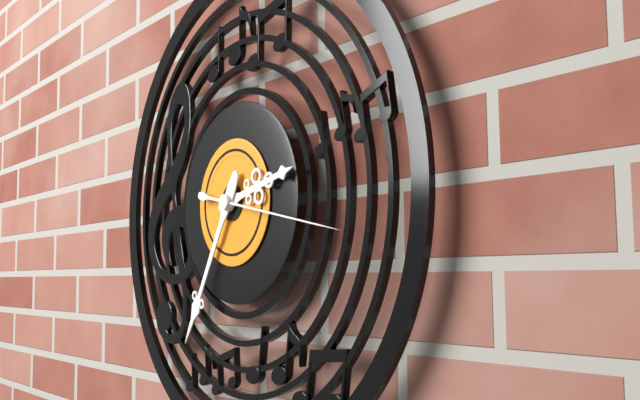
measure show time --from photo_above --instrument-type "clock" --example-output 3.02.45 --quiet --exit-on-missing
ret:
2.35.17
